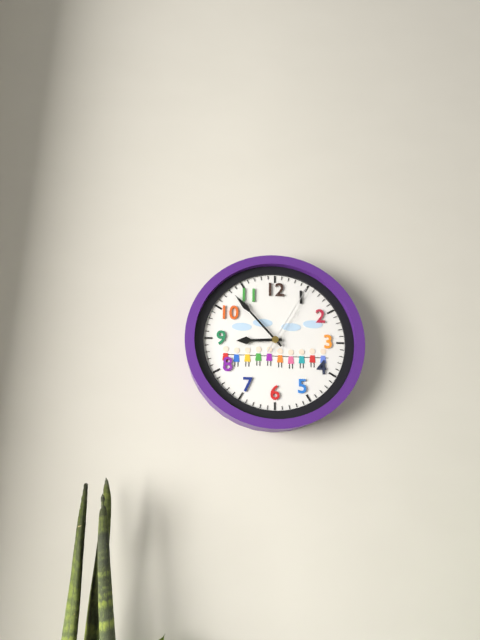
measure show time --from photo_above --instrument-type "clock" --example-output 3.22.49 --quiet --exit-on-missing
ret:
8.53.05
